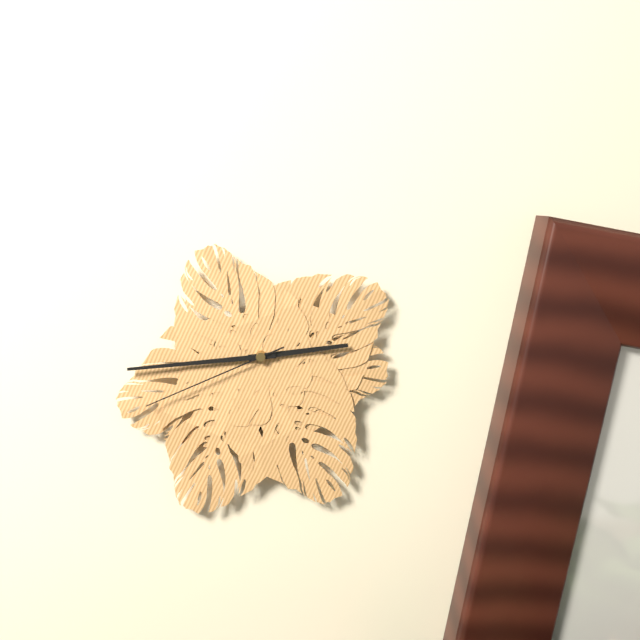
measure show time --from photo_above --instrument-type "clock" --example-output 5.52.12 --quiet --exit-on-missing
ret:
2.44.41
